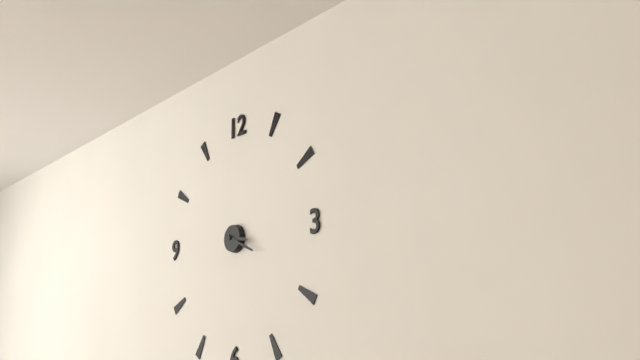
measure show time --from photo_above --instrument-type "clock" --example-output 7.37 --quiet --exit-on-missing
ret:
3.19
